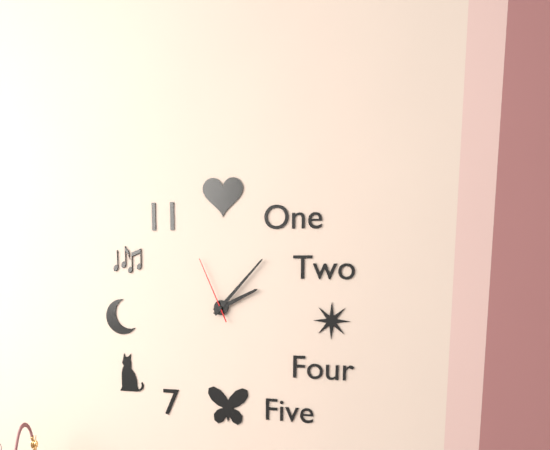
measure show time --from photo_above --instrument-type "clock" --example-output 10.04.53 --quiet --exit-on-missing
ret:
2.07.56
